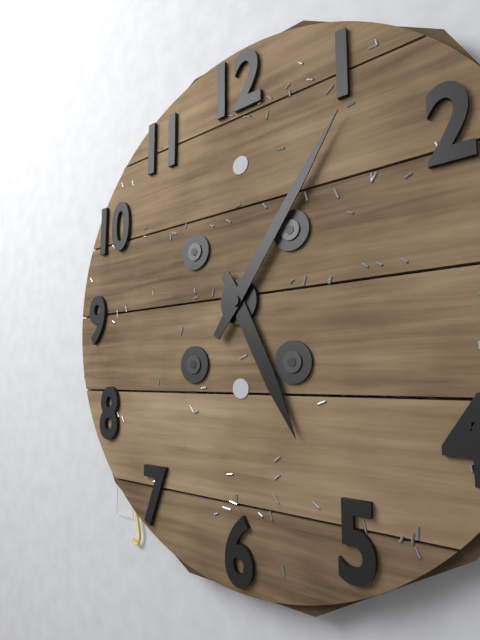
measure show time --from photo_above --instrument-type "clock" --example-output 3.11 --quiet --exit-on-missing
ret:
5.06
